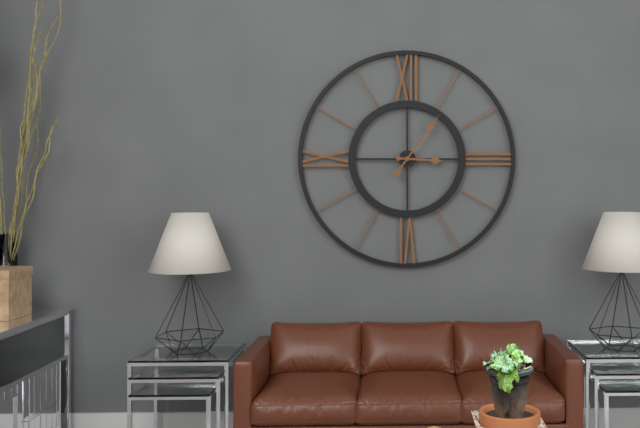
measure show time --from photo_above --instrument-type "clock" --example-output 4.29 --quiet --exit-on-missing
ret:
3.06
